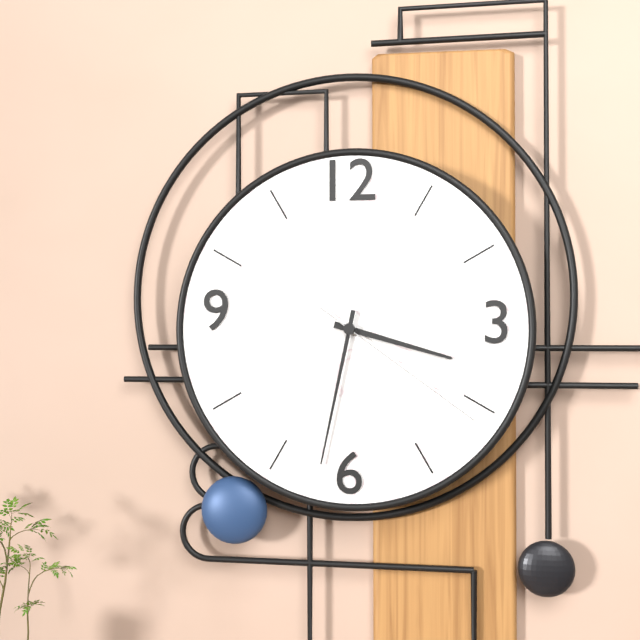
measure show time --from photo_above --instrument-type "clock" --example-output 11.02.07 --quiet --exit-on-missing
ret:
3.32.21
